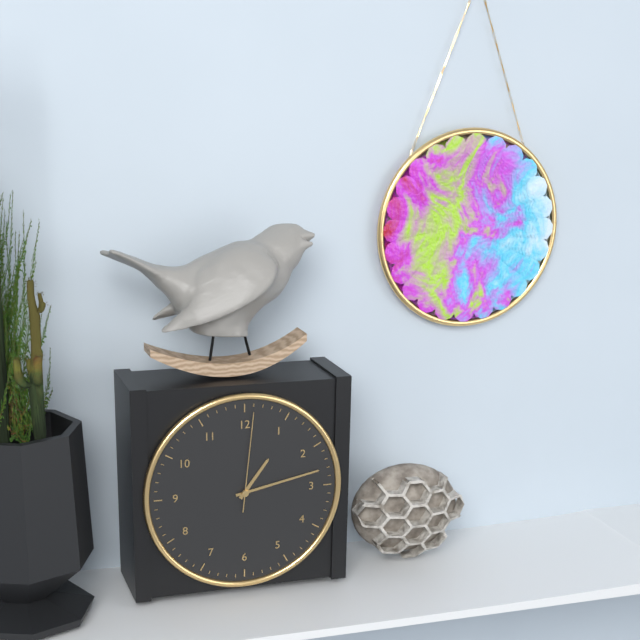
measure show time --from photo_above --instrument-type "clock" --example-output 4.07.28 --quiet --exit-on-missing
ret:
1.13.01
